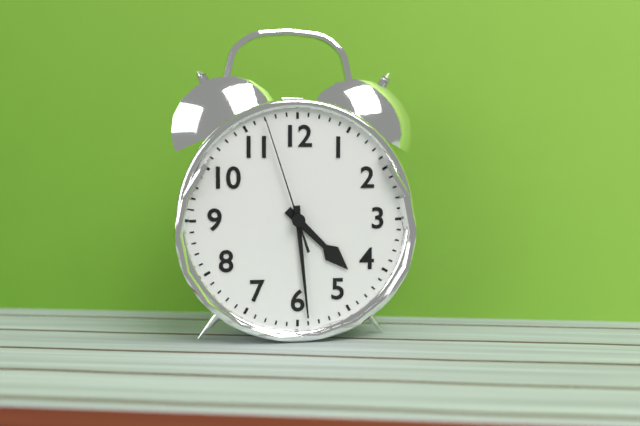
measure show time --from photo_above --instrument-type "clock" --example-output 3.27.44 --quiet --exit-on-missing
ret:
4.29.57
